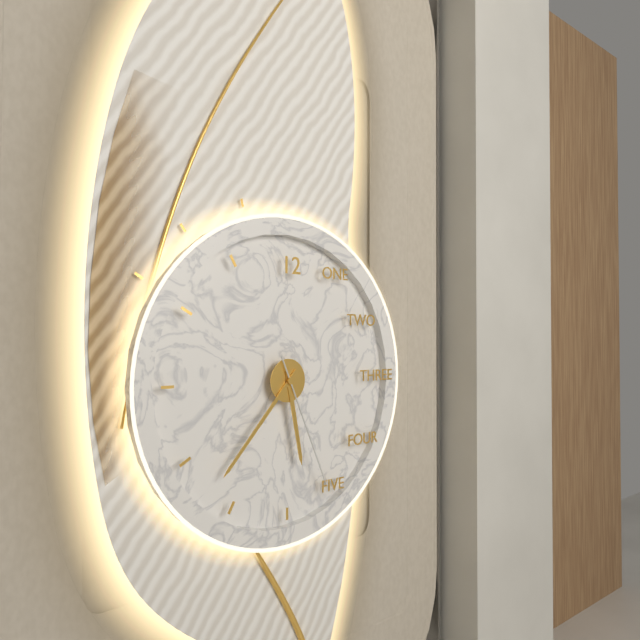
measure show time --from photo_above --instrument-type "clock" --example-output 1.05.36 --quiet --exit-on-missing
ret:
5.37.26
